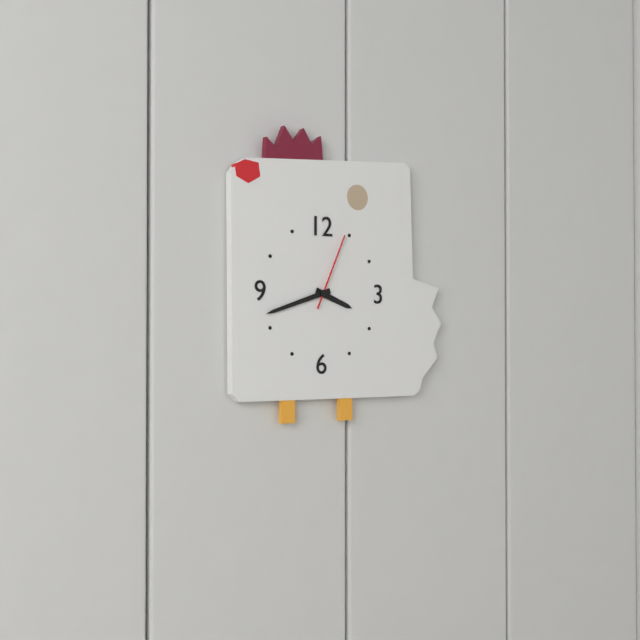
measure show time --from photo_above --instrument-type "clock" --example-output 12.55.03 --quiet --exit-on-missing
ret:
3.42.04
